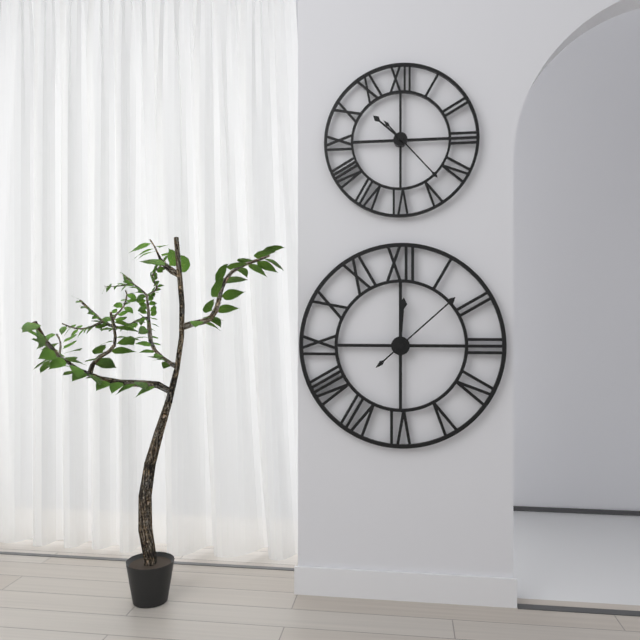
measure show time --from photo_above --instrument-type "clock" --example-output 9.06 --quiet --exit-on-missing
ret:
12.08
